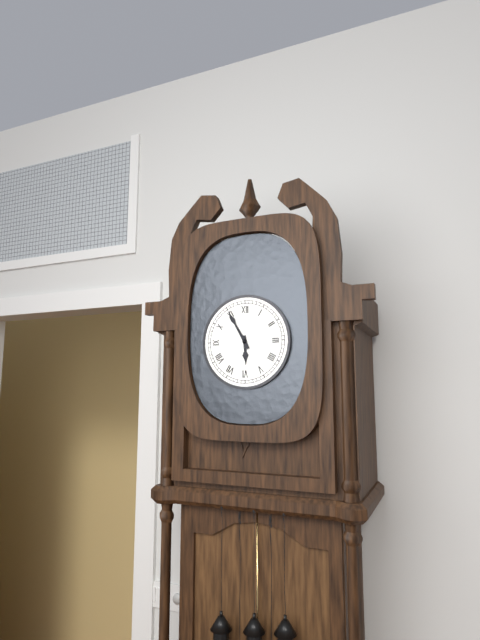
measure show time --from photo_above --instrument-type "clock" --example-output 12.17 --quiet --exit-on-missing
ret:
5.55
